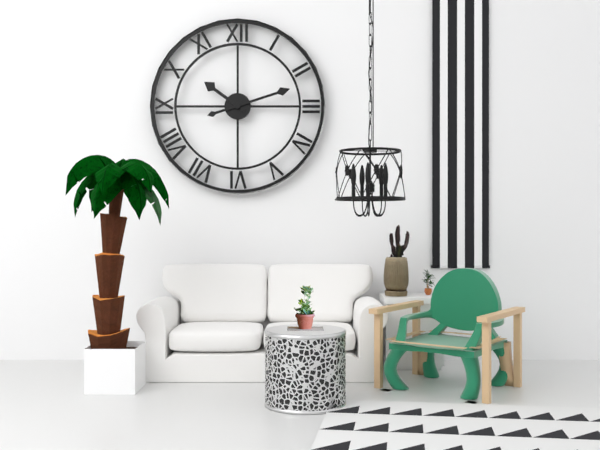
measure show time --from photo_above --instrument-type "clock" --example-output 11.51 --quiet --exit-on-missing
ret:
10.12
